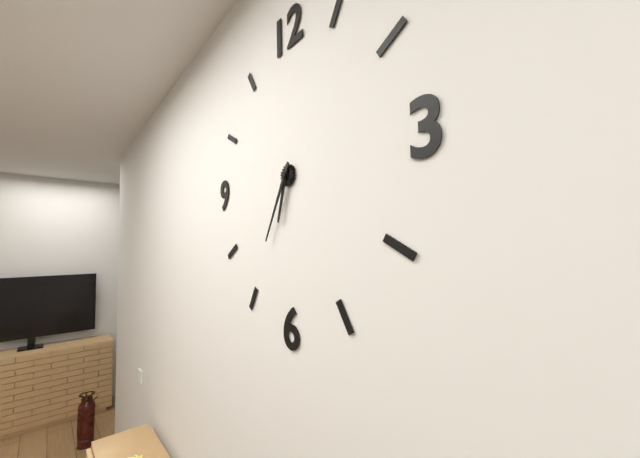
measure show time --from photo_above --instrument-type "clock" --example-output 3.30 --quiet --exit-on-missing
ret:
6.35
